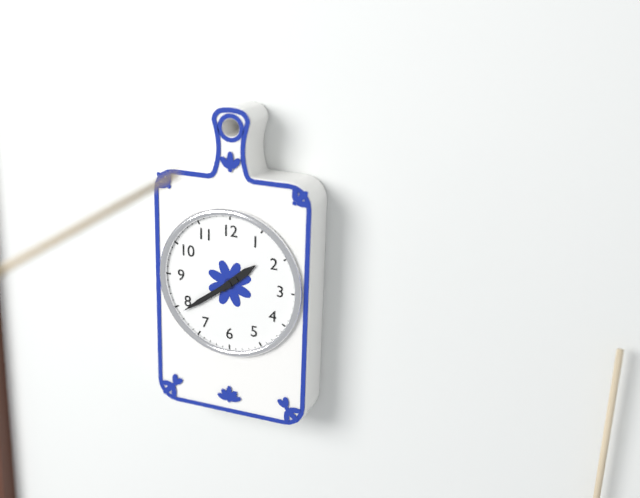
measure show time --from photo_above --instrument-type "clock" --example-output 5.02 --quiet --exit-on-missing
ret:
1.39
